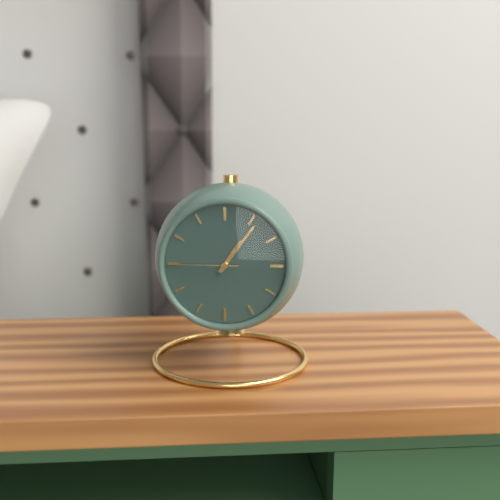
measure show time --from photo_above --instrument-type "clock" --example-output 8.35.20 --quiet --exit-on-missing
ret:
1.06.45
